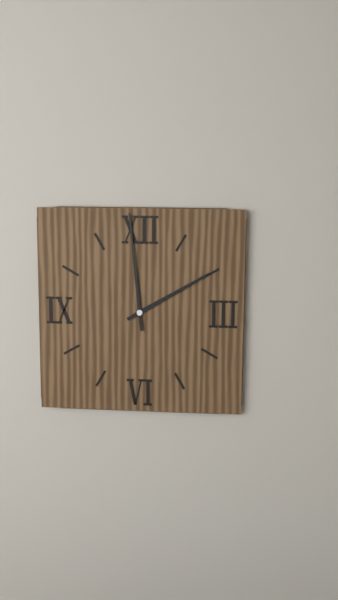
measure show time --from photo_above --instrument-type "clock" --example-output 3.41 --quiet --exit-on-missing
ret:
1.59
